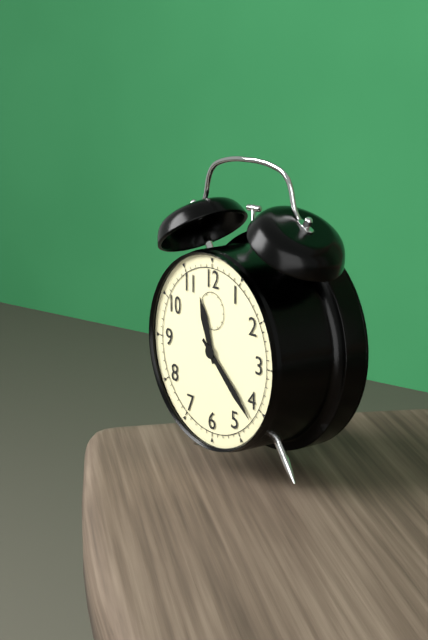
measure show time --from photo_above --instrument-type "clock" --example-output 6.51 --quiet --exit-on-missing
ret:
11.22
